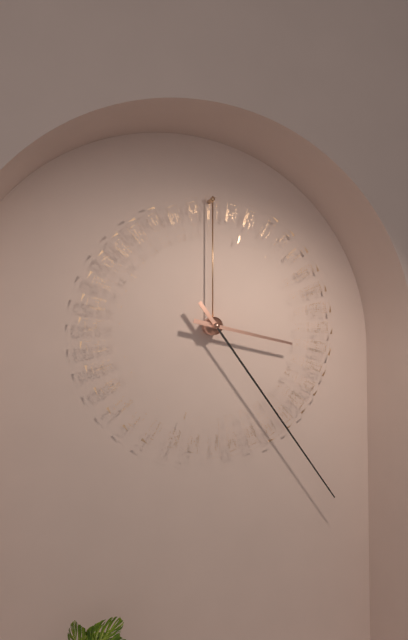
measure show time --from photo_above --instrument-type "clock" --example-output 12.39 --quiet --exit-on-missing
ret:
3.24
